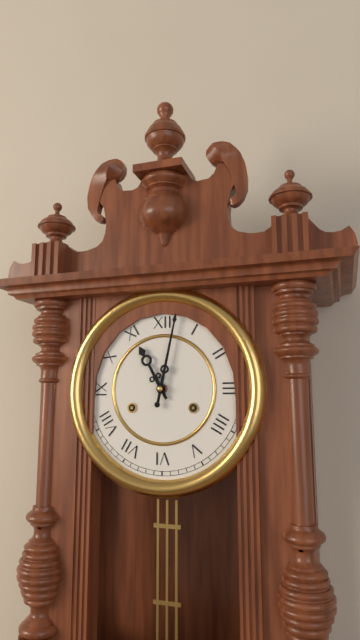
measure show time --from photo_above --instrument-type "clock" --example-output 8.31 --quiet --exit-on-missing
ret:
11.02
